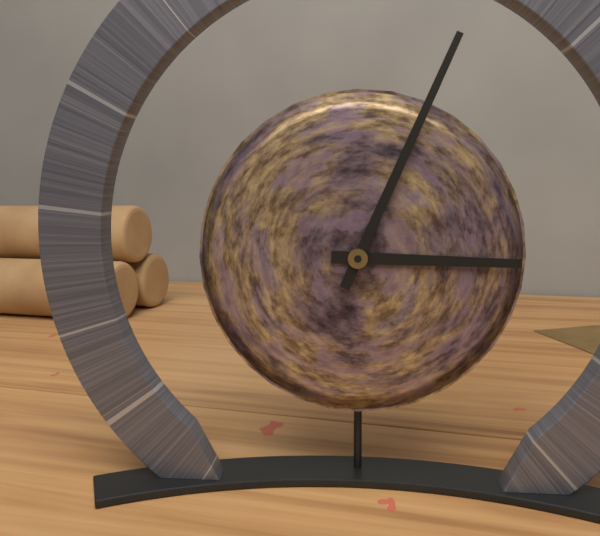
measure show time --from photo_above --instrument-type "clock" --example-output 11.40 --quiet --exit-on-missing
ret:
3.04
